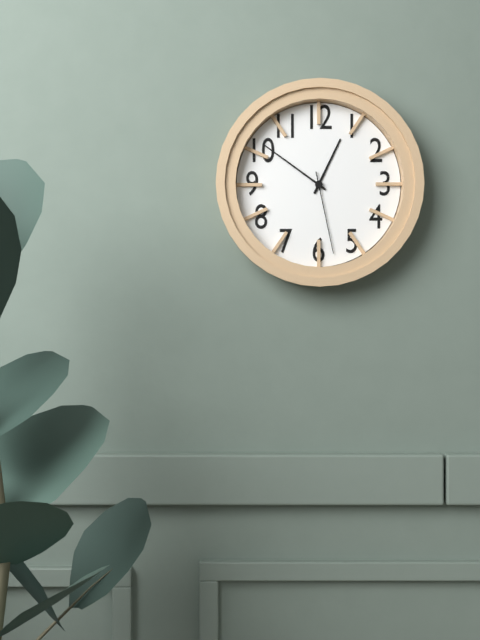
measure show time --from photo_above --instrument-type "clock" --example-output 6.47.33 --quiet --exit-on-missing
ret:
12.51.28
